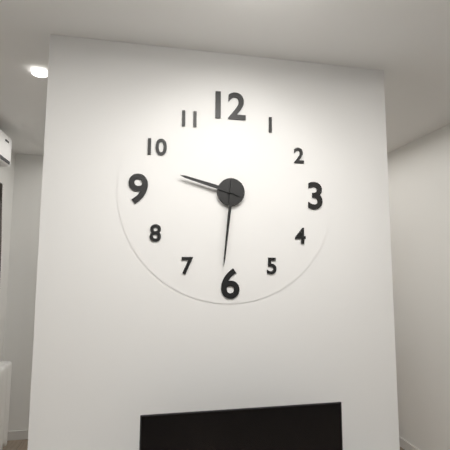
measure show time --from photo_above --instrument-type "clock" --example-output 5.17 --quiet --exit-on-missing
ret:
9.31
